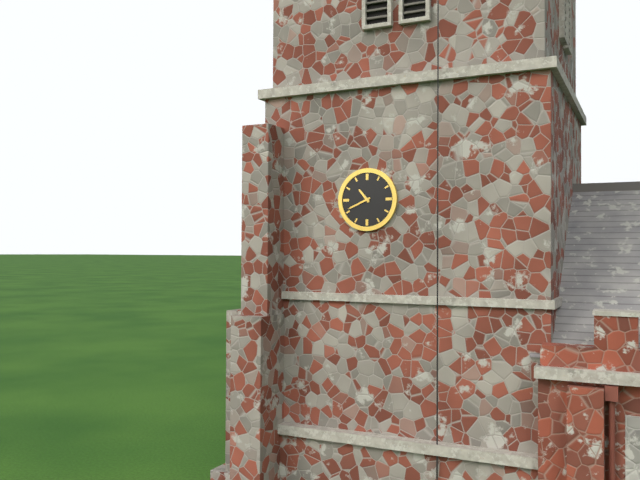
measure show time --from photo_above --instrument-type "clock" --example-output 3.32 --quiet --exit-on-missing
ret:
10.41
